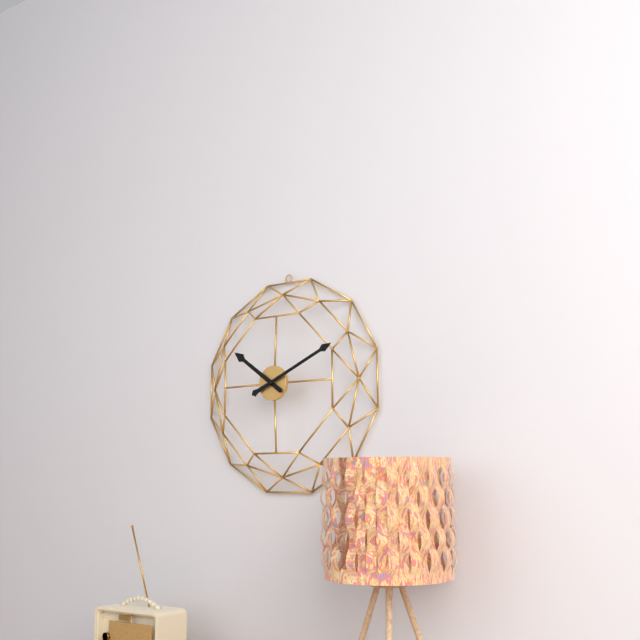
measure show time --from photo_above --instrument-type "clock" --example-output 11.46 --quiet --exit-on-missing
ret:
10.11
